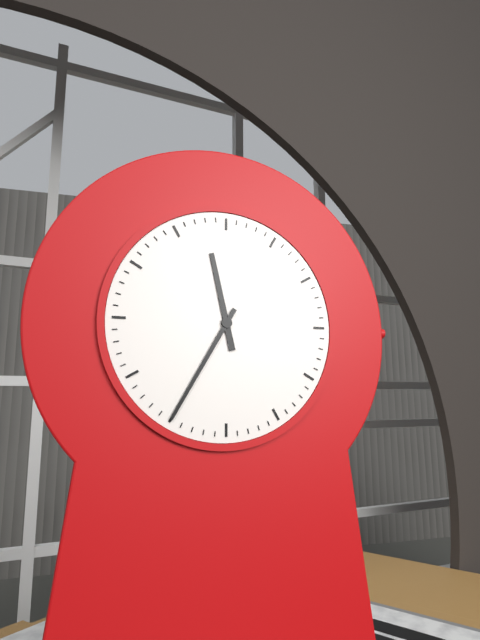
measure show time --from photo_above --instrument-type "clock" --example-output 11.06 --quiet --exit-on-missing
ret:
11.35
